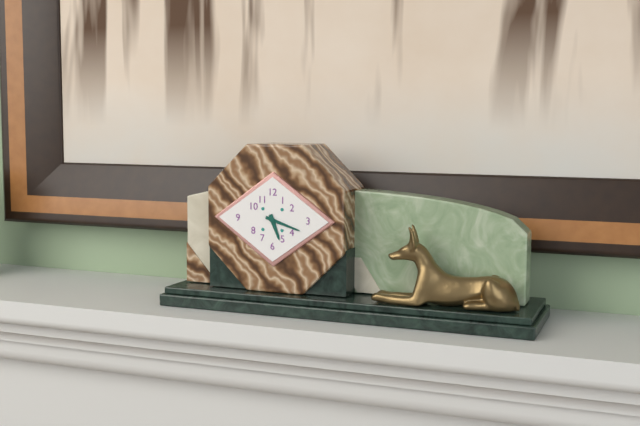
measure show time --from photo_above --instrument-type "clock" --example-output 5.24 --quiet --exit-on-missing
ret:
5.18
